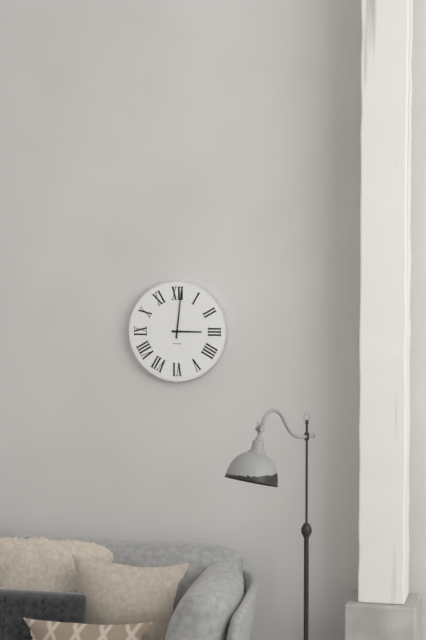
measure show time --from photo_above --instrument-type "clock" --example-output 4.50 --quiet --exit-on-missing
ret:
3.01
